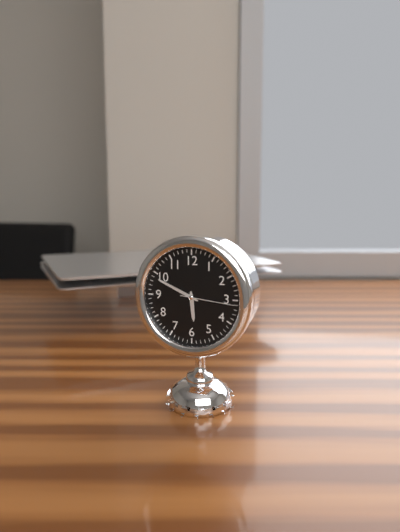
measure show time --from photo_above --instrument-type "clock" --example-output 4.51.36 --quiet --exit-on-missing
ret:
5.49.16
